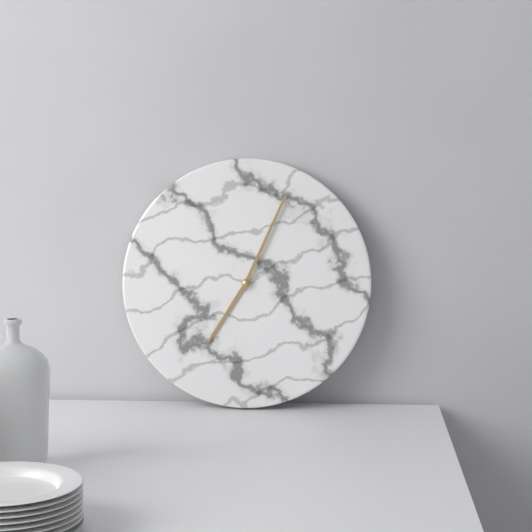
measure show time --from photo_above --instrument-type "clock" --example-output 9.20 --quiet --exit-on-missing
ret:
7.04
